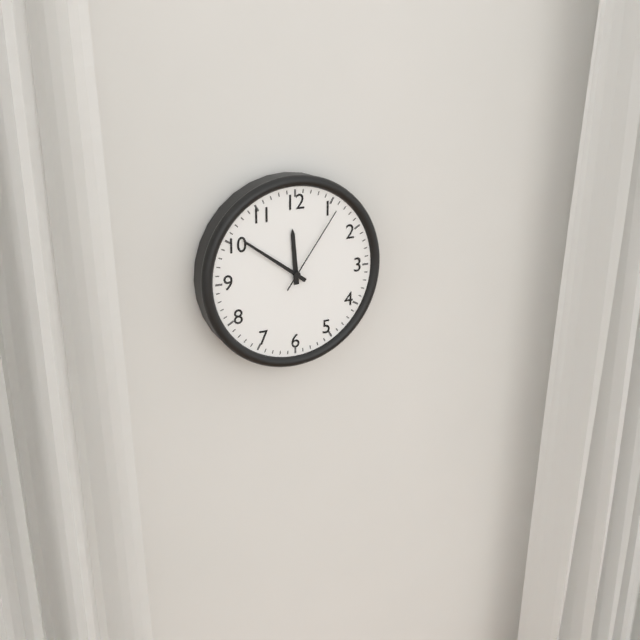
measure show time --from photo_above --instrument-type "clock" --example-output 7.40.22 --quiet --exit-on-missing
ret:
11.51.06
